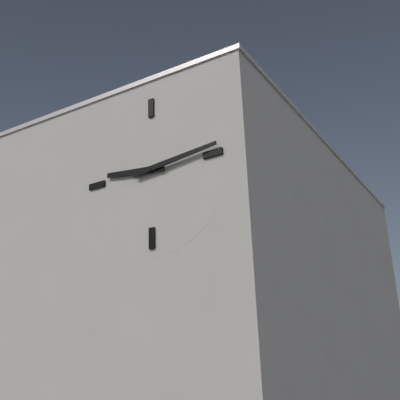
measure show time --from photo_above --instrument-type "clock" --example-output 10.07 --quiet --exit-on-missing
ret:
9.14
